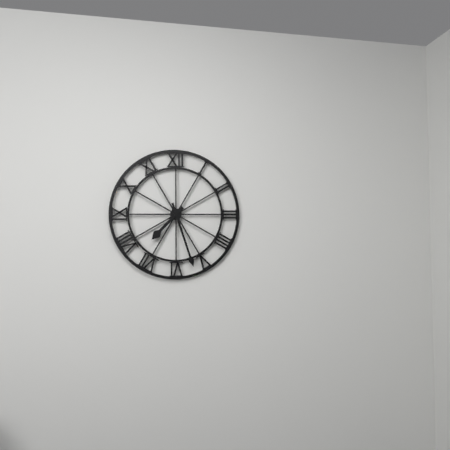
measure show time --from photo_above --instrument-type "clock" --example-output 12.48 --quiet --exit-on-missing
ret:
7.27
